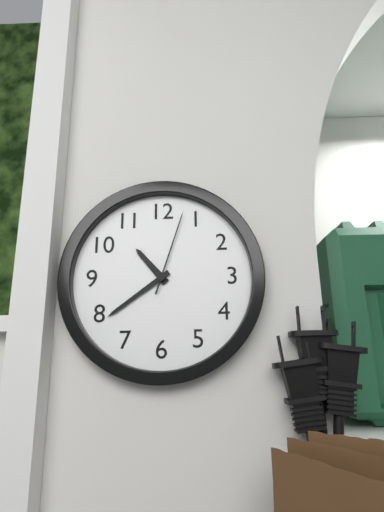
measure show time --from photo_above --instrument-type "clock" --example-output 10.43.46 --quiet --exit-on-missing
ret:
10.39.03
